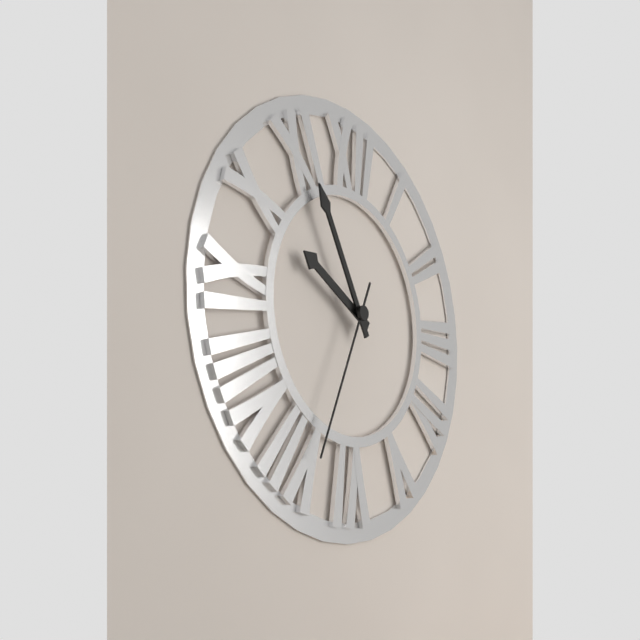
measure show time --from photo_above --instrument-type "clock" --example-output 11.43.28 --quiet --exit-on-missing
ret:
9.55.34
